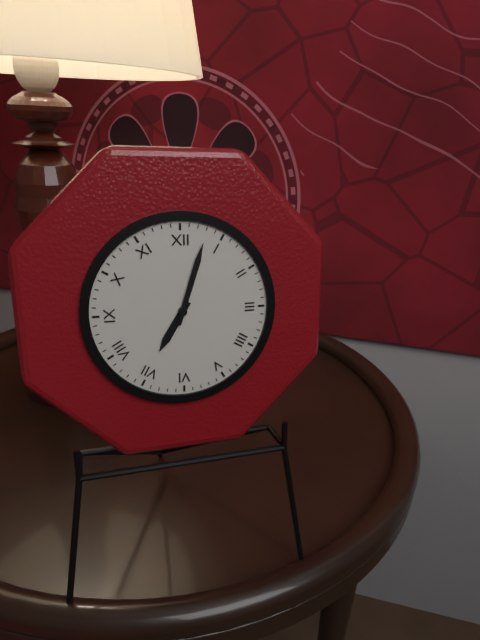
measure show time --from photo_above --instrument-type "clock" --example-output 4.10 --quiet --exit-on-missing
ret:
7.03
